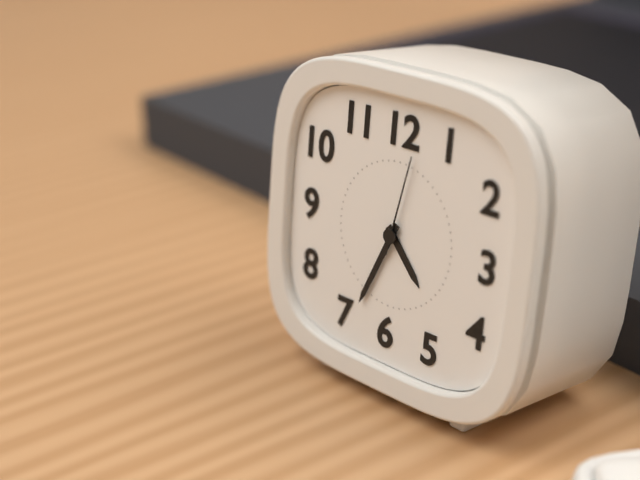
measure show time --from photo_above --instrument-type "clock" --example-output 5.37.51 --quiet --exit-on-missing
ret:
4.34.02
